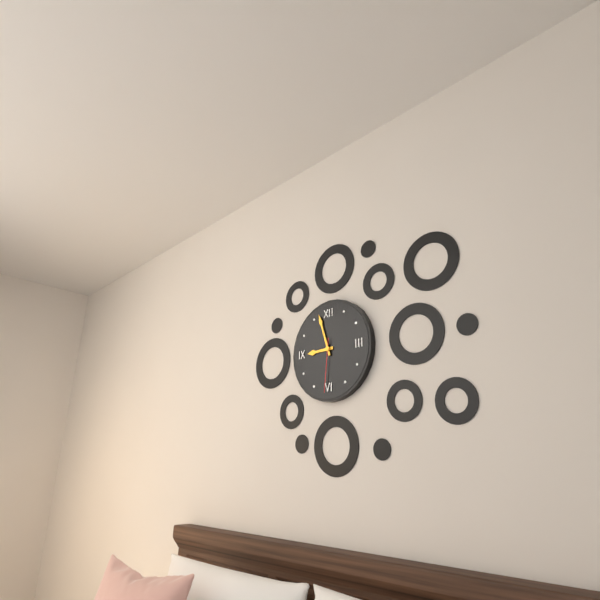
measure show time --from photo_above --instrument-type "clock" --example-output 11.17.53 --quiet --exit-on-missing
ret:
8.57.31
